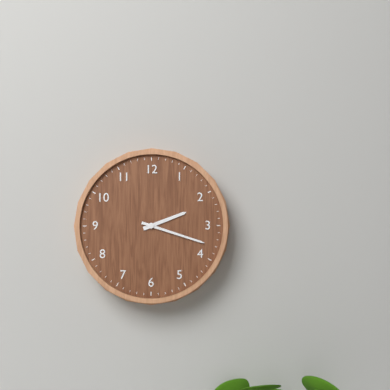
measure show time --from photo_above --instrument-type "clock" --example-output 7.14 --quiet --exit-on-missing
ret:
2.18
